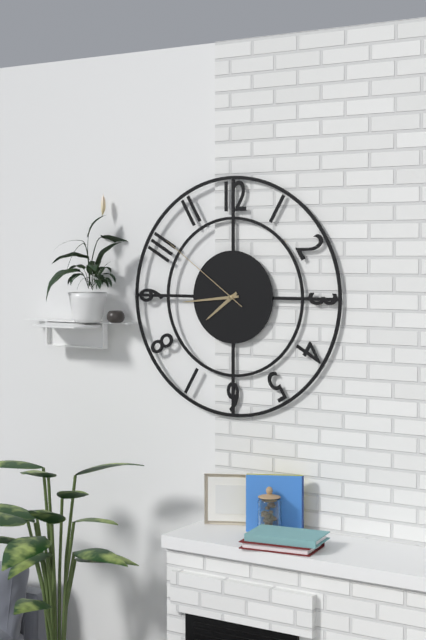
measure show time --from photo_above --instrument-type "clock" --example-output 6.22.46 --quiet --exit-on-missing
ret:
7.44.51
